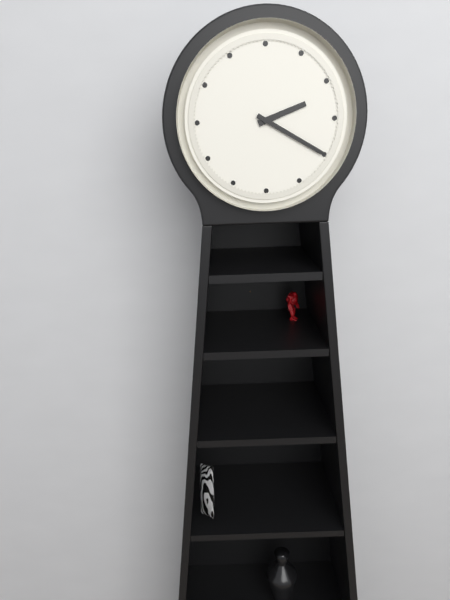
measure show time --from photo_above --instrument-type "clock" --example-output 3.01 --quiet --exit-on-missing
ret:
2.20
